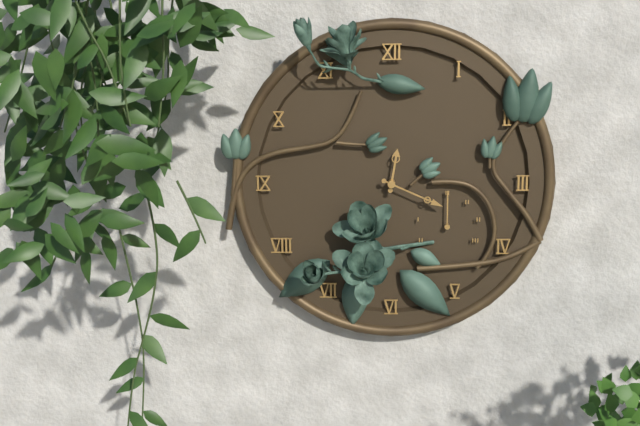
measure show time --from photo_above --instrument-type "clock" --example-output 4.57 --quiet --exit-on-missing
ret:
12.19
